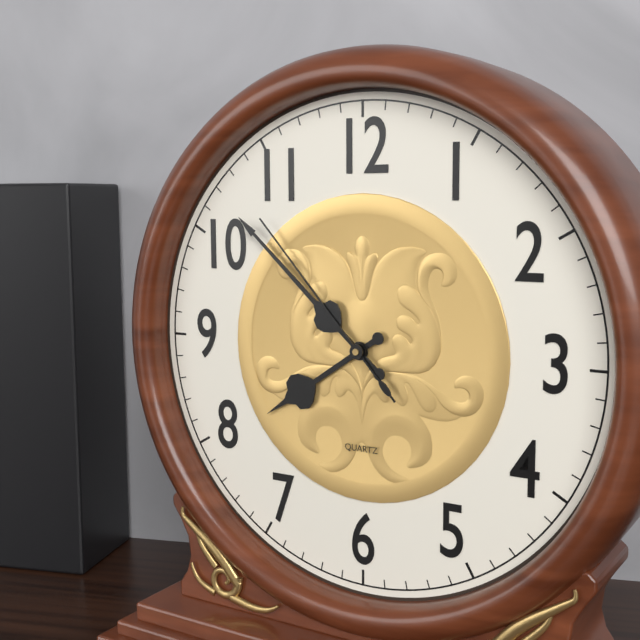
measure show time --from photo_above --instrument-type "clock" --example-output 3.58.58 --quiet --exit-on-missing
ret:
7.52.53
